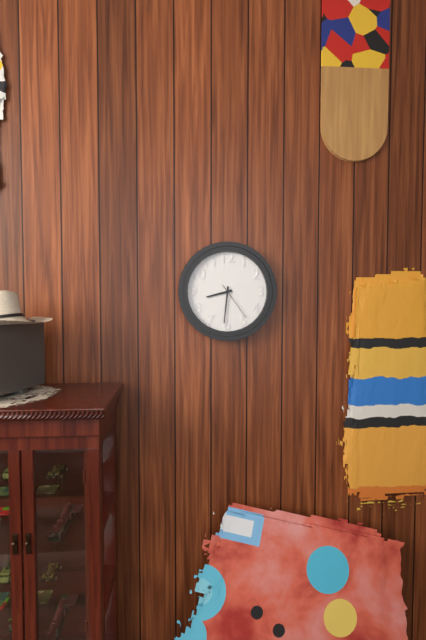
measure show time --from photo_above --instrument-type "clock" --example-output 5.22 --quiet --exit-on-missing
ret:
8.31
